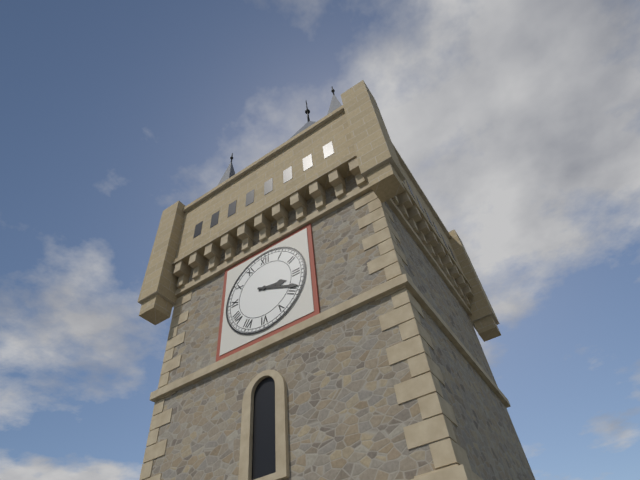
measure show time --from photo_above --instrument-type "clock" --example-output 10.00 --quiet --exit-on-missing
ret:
3.19
